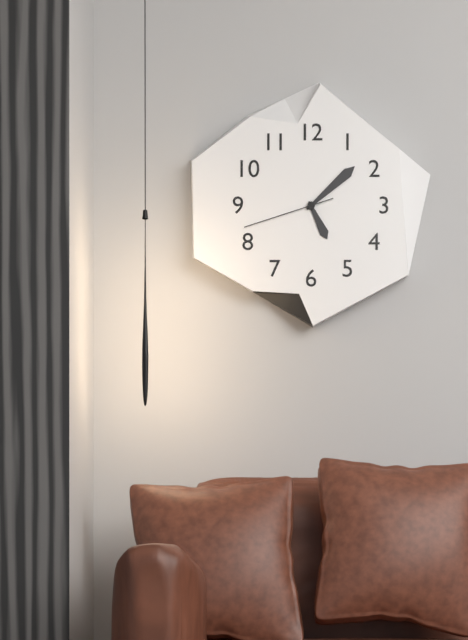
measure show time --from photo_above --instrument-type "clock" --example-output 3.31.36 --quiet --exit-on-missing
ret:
5.08.42
